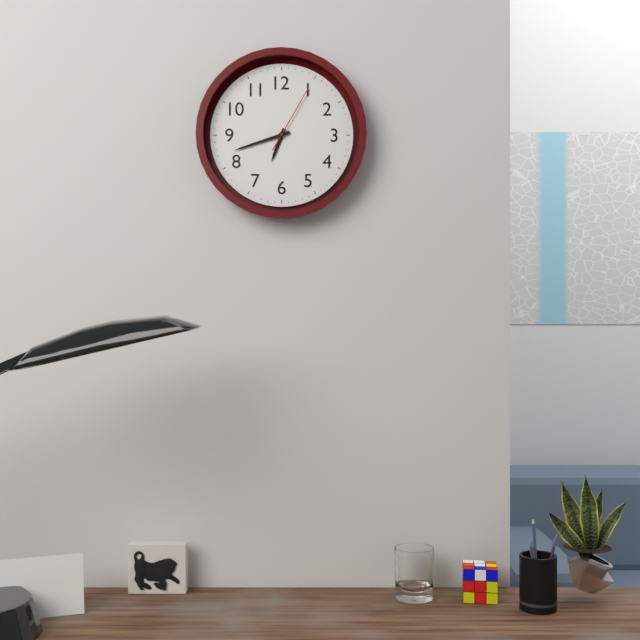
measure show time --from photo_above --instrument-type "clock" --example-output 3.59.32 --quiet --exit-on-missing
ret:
6.42.05
